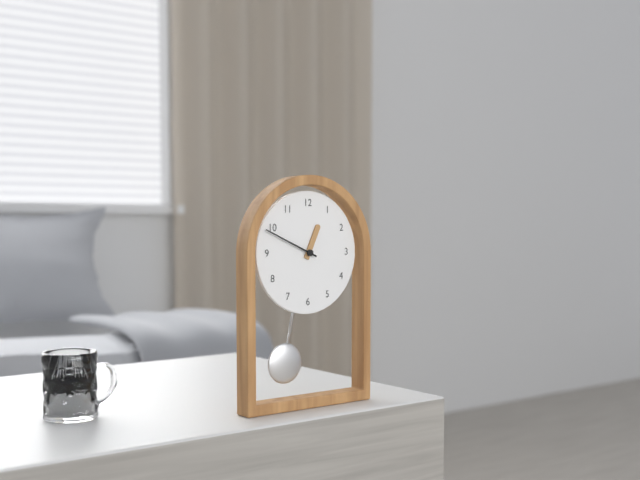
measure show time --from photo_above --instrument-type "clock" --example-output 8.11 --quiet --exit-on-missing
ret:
12.49
